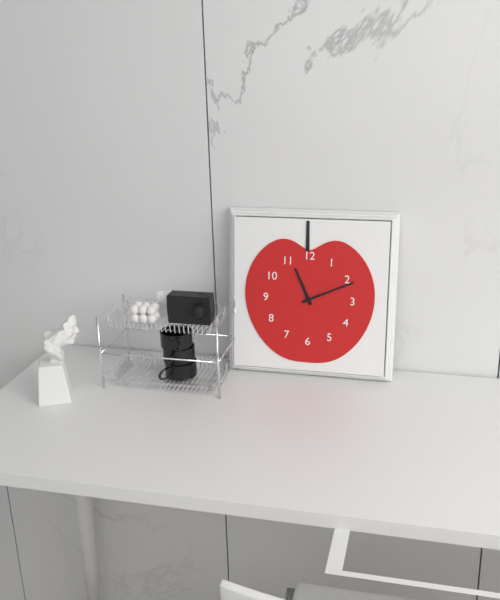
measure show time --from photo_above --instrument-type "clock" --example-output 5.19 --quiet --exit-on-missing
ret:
11.11
